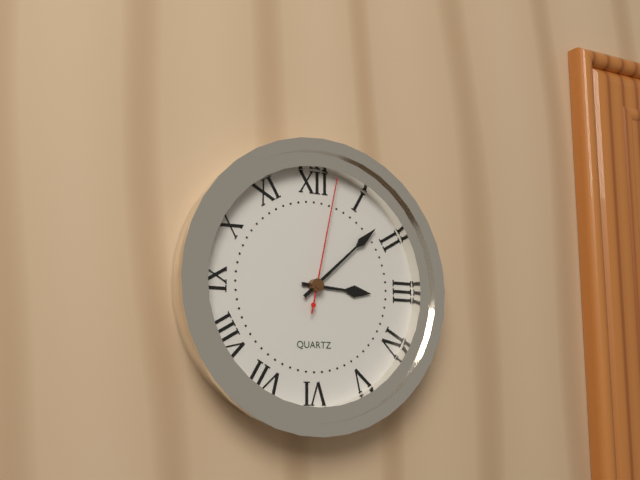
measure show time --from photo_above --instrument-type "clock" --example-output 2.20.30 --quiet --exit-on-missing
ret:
3.08.02
